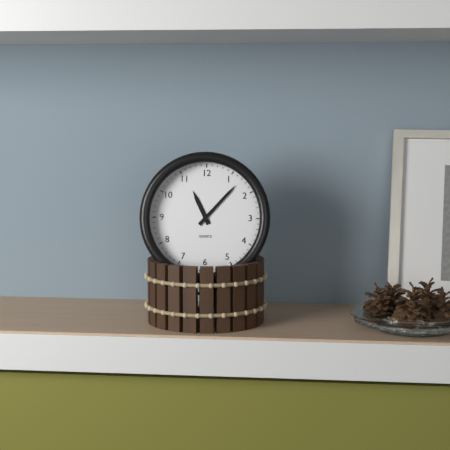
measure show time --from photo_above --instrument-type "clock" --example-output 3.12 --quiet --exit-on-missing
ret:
11.07
